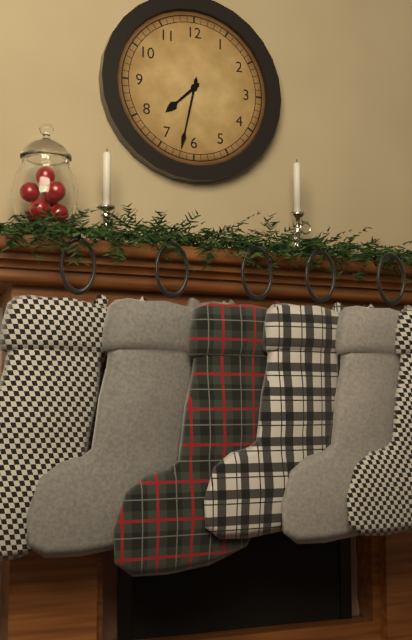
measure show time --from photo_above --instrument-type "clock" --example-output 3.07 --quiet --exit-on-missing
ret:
7.32
